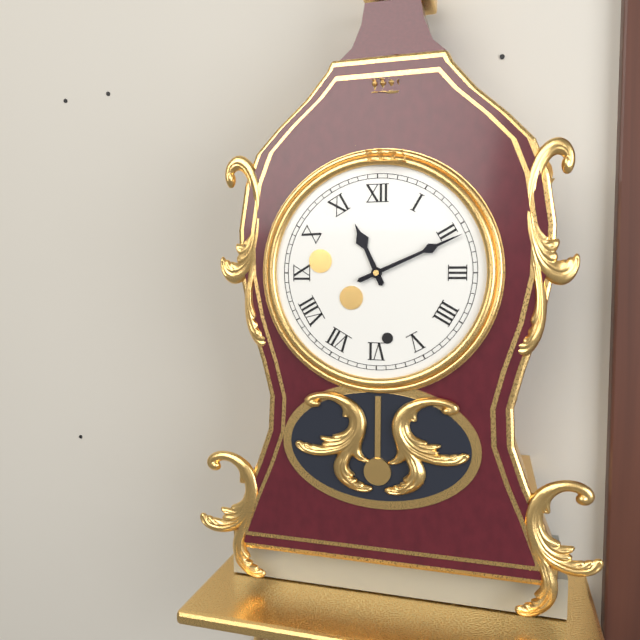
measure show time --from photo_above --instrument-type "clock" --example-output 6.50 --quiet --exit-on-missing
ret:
11.11
